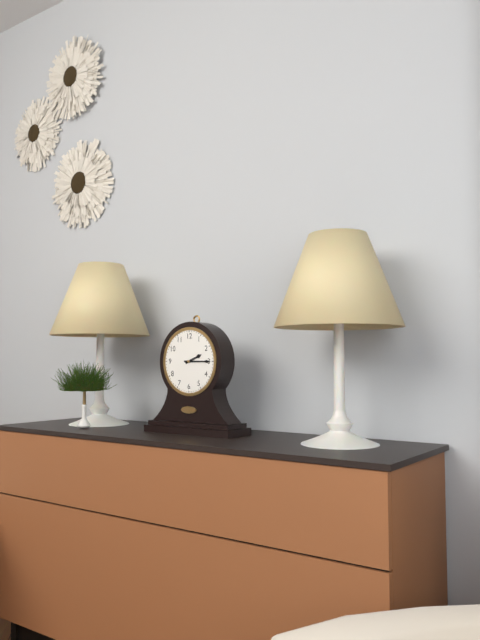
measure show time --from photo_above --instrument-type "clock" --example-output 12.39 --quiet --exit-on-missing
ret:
2.15
